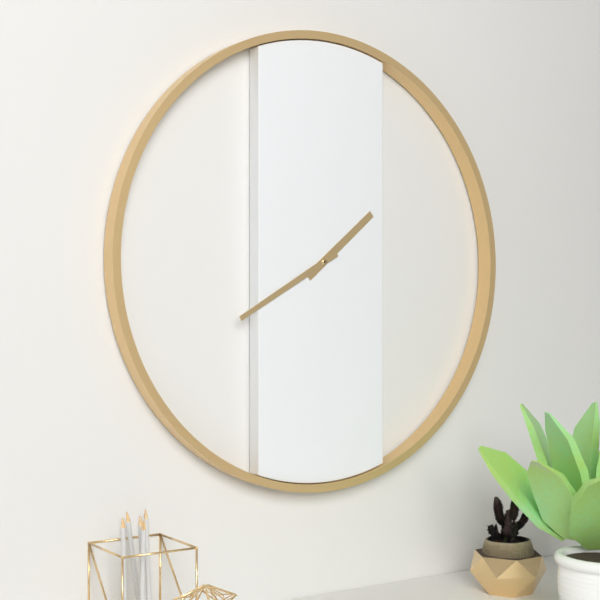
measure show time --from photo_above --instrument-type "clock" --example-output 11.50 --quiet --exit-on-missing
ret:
1.40
